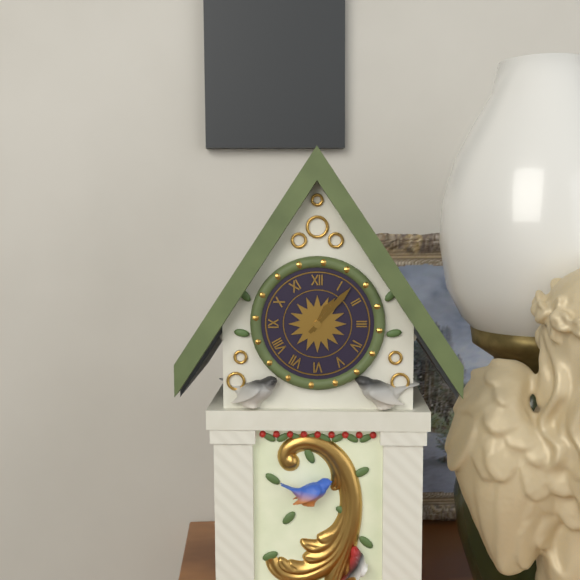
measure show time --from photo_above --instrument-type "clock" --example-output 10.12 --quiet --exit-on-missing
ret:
1.07
